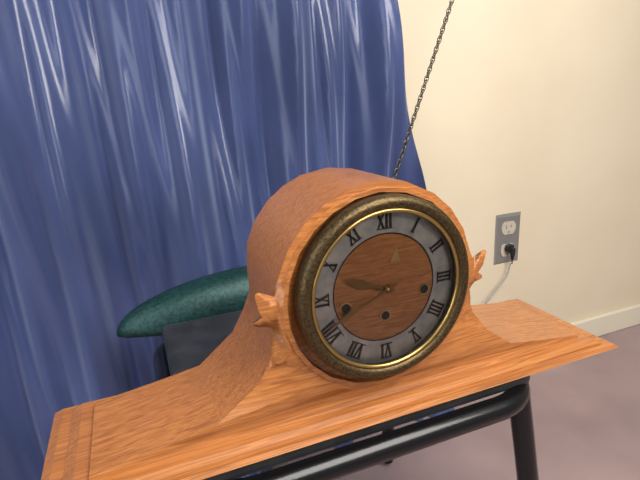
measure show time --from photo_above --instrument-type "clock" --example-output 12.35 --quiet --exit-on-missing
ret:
9.41
